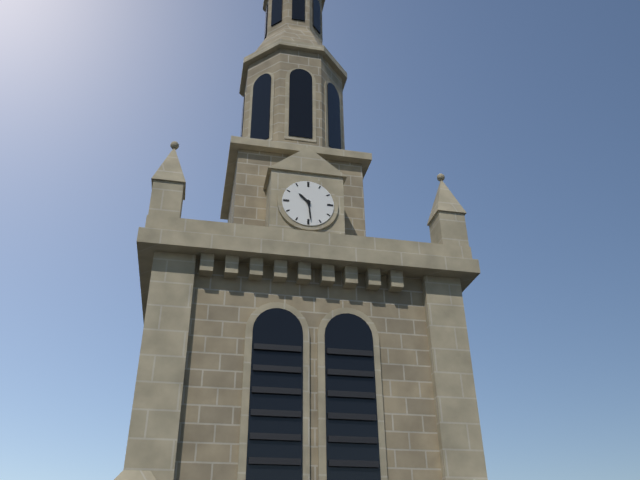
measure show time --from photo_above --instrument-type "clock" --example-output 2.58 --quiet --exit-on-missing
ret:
10.29
